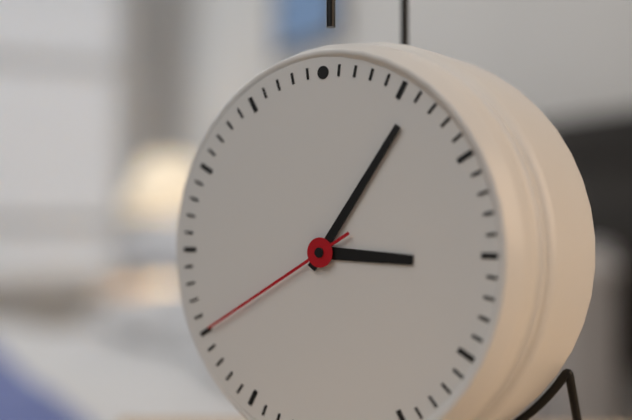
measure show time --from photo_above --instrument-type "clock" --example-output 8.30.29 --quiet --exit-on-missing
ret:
3.06.40
